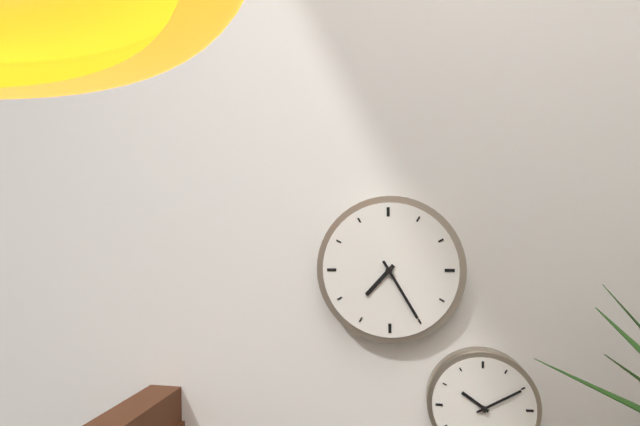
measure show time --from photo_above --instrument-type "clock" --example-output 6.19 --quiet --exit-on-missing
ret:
7.25
